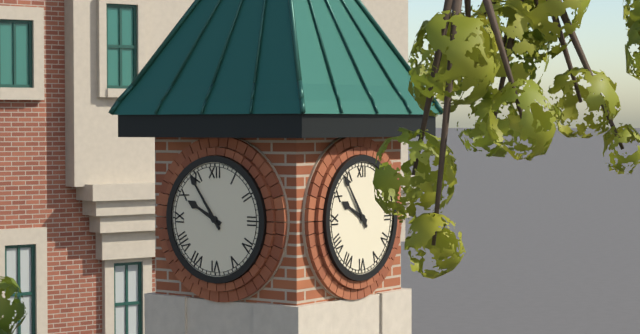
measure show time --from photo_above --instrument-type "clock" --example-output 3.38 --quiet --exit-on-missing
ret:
9.54
